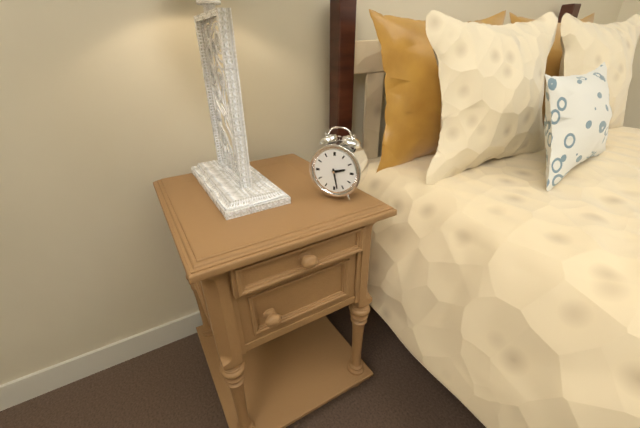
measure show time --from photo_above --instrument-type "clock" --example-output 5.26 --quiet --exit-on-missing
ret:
2.28
